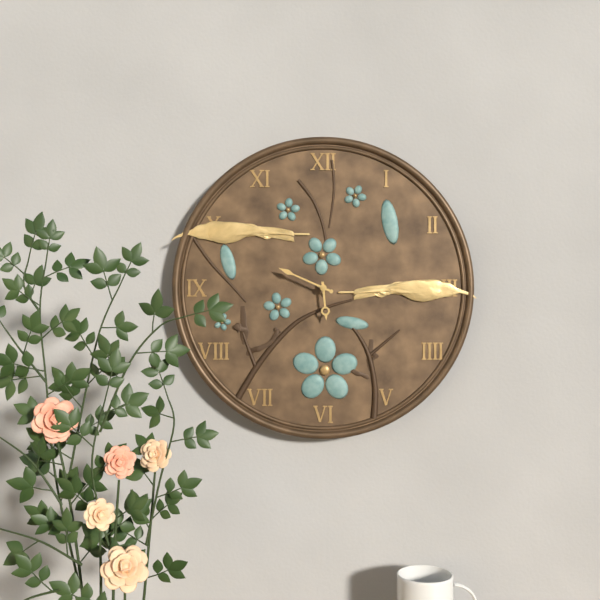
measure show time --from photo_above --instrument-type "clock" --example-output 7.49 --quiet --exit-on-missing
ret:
5.49
